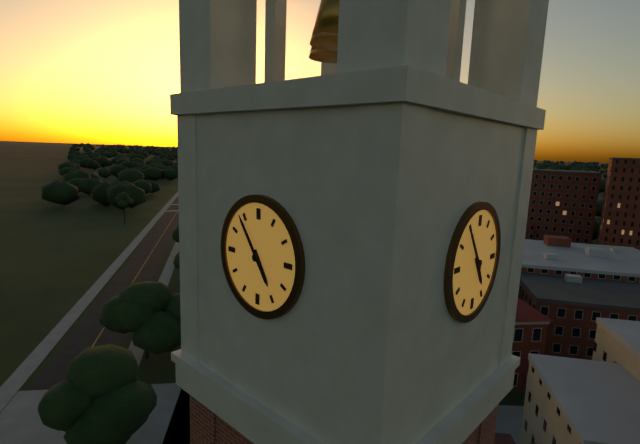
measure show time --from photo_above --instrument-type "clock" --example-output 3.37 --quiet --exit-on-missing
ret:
4.54
